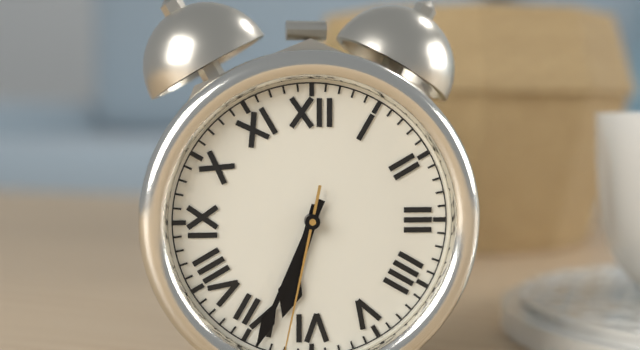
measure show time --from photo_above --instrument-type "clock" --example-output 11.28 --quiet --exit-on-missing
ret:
6.34
